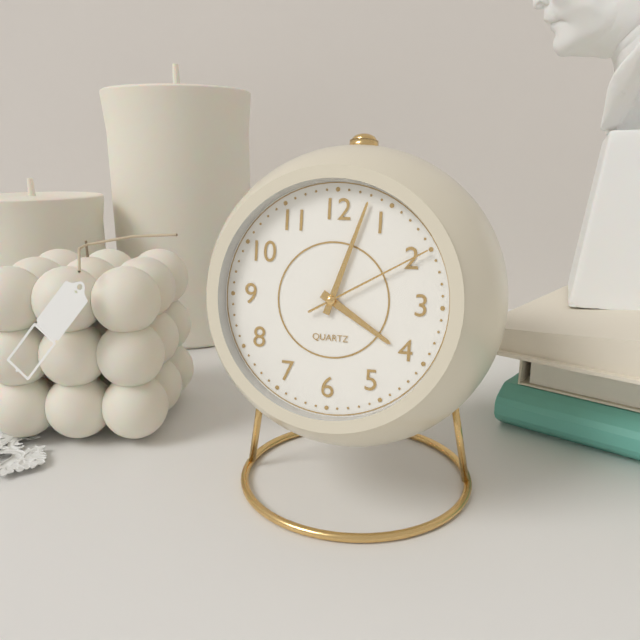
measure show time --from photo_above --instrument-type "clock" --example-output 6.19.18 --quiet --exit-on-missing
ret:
4.03.10
